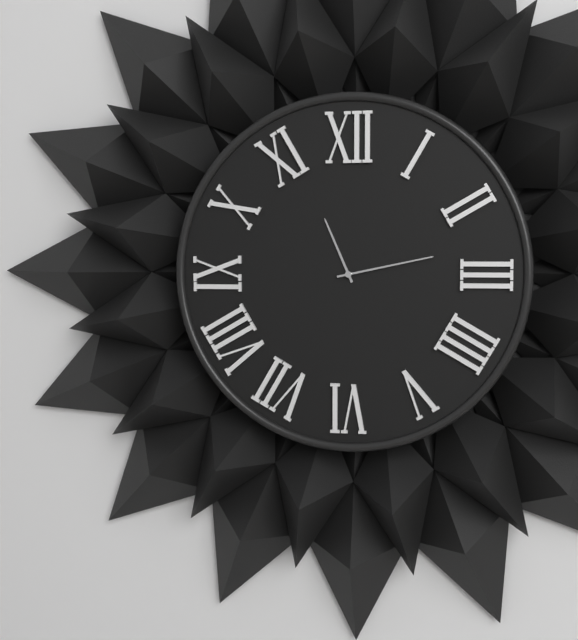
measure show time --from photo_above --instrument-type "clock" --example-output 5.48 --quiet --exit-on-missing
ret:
11.13
